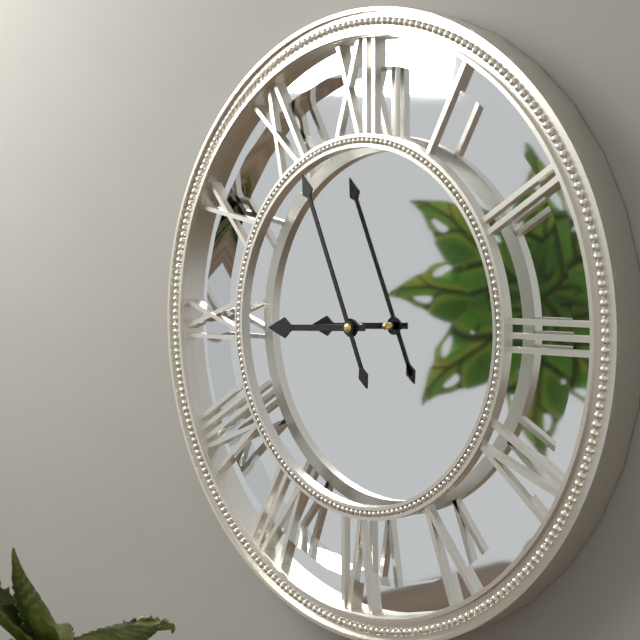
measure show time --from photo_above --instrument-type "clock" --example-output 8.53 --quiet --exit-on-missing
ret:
8.56
